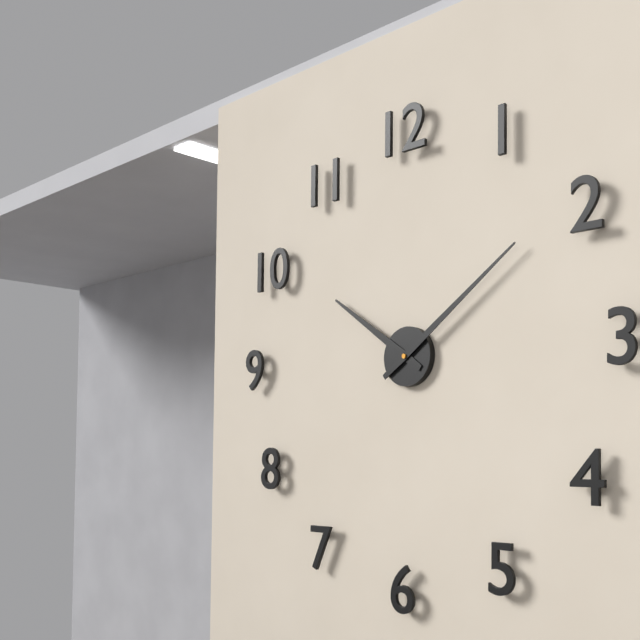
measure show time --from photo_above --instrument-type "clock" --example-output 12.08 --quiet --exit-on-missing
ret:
10.09
